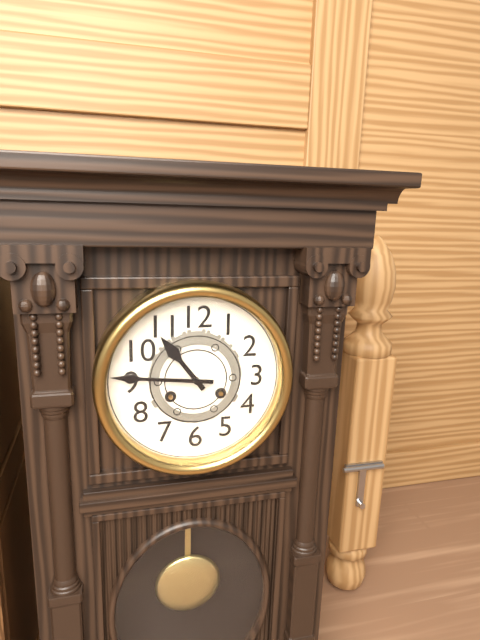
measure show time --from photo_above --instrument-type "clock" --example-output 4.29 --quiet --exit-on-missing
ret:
10.46
